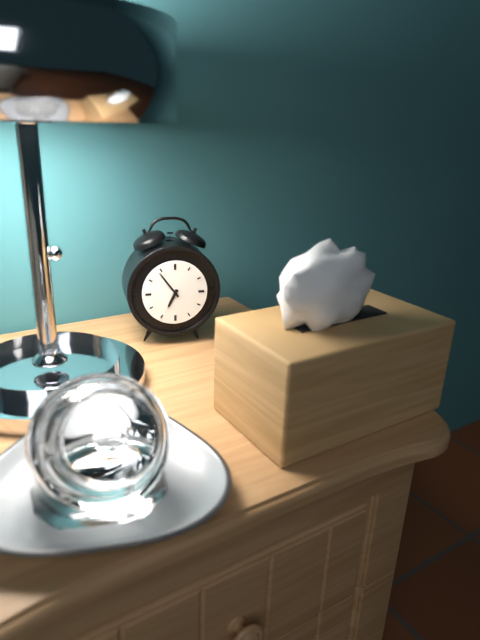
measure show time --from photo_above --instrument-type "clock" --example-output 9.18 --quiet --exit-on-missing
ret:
6.54
